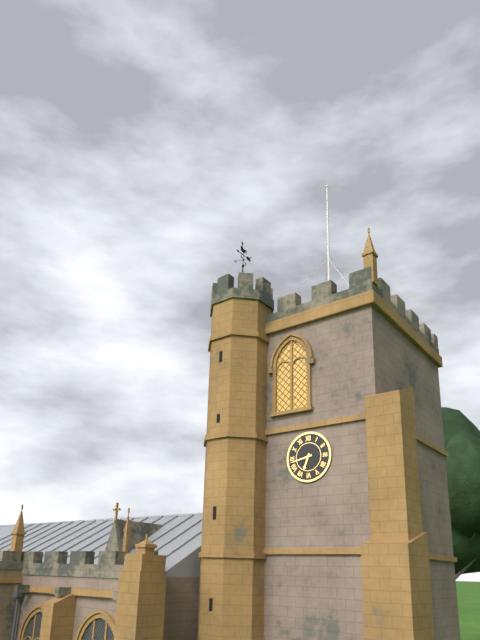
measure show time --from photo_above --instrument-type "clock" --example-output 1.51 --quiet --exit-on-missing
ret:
6.43
